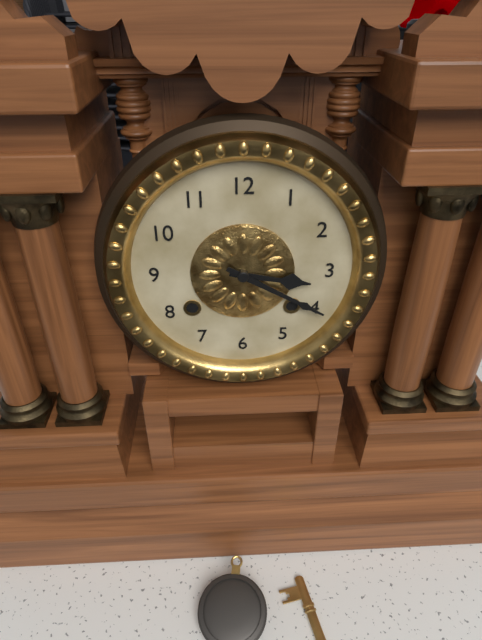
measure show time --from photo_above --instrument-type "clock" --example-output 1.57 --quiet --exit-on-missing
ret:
3.20
